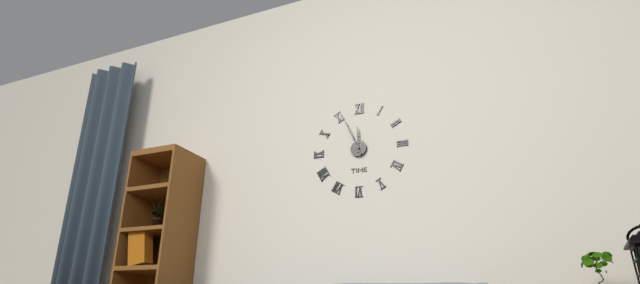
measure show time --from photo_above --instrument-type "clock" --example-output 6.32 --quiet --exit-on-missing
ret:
11.56
